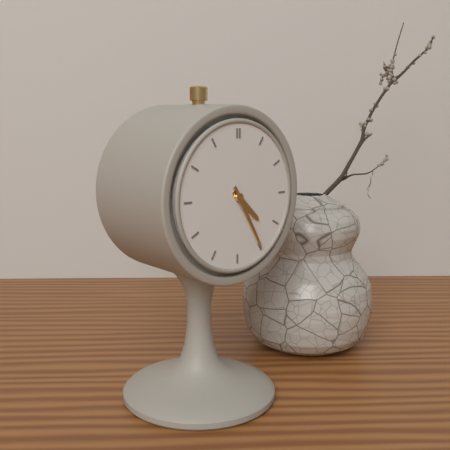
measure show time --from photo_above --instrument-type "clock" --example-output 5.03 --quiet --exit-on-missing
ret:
4.25
